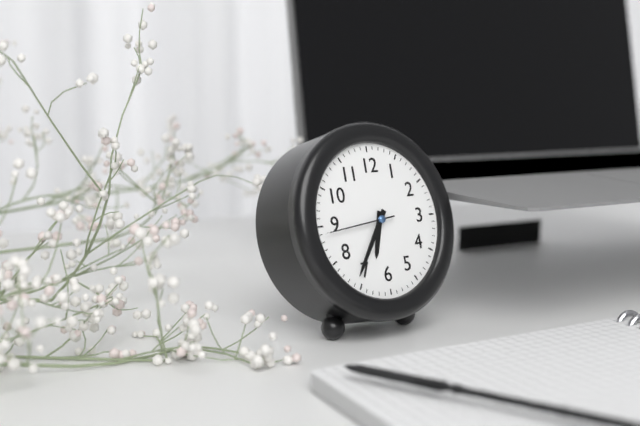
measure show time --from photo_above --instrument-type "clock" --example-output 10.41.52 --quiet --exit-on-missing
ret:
6.36.44
